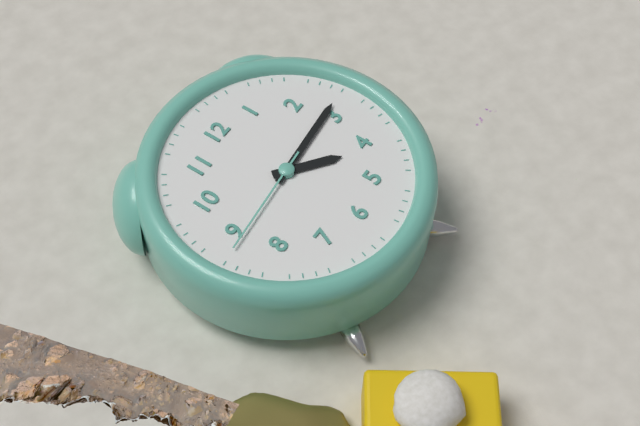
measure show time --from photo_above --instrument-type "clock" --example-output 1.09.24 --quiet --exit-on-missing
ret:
4.14.44
